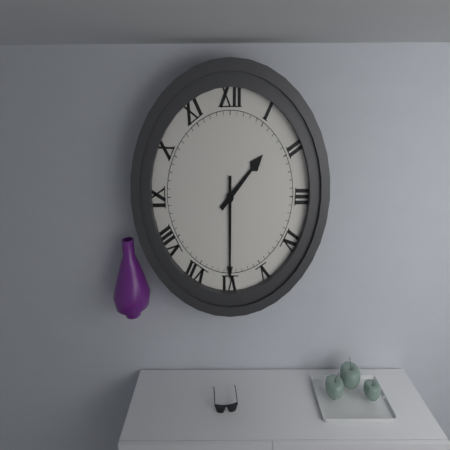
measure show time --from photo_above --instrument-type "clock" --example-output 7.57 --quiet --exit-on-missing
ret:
1.30
